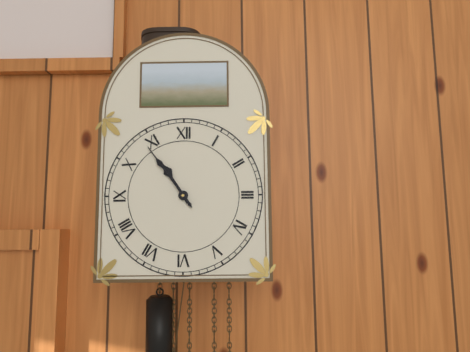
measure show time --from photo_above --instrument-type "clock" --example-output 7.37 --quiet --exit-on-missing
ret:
10.54
